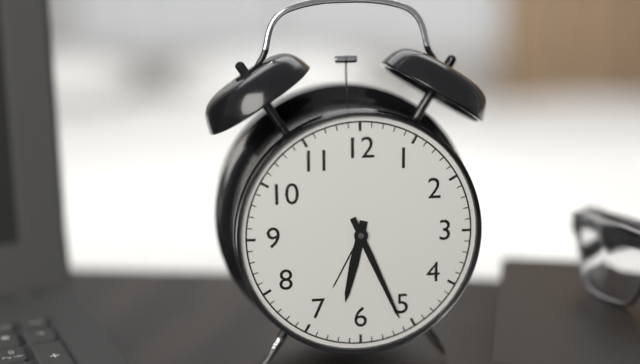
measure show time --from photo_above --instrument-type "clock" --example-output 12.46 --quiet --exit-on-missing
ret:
6.26
